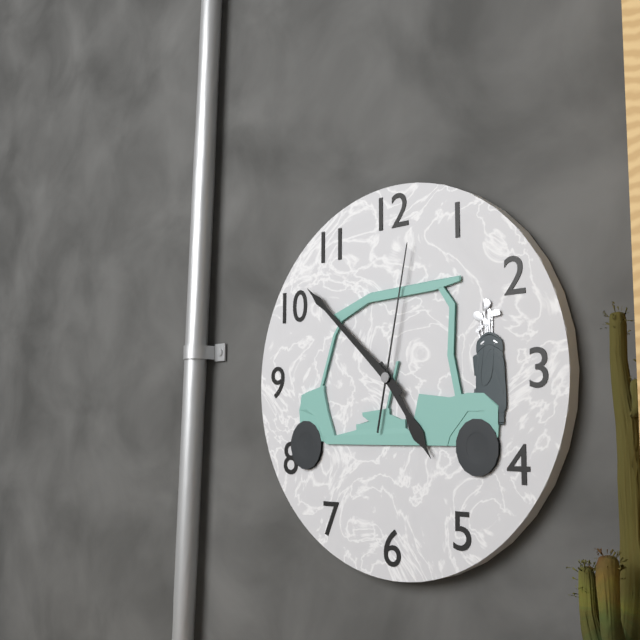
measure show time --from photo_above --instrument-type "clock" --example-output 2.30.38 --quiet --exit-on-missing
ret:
4.52.02
